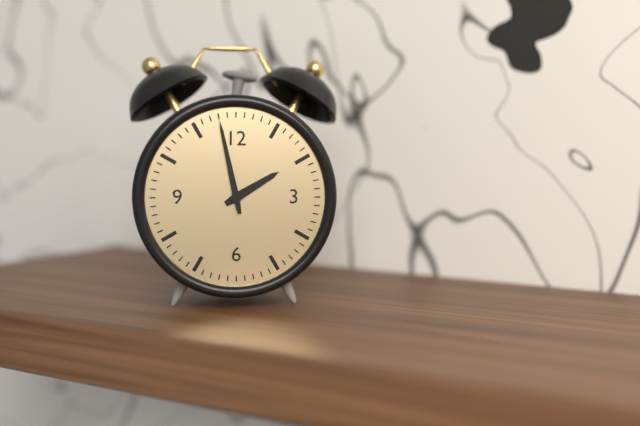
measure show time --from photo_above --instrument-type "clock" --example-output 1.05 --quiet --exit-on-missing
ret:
1.58
